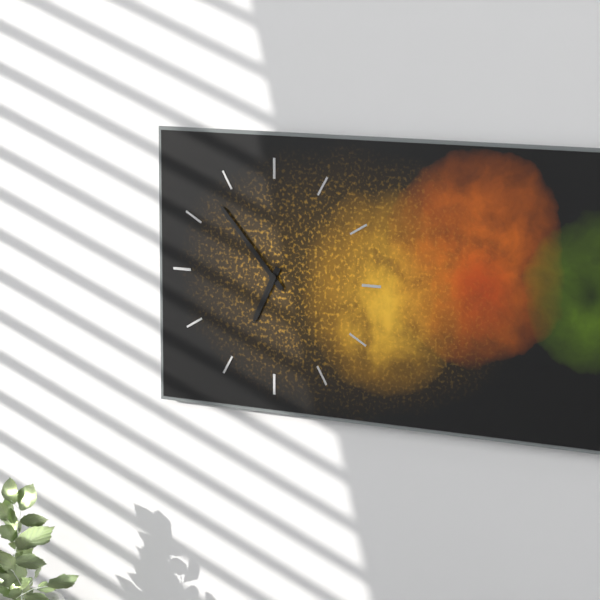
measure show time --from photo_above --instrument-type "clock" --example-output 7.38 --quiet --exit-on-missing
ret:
6.53
